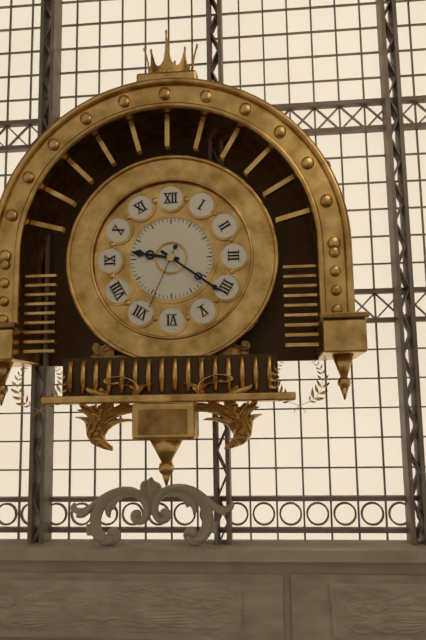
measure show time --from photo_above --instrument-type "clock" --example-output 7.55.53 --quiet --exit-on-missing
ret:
9.21.34
